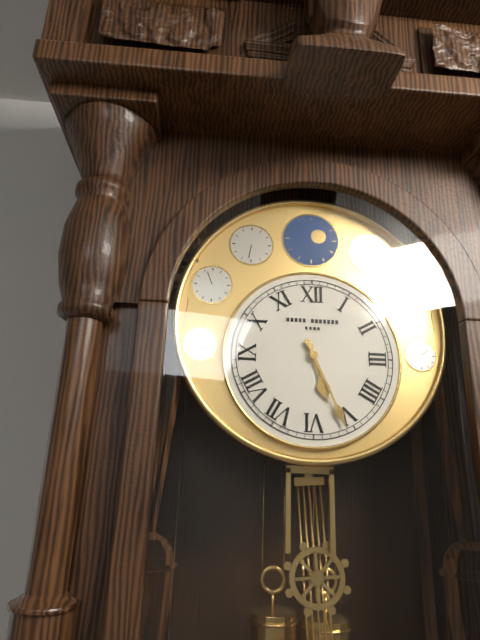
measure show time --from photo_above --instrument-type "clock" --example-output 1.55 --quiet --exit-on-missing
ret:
5.26
